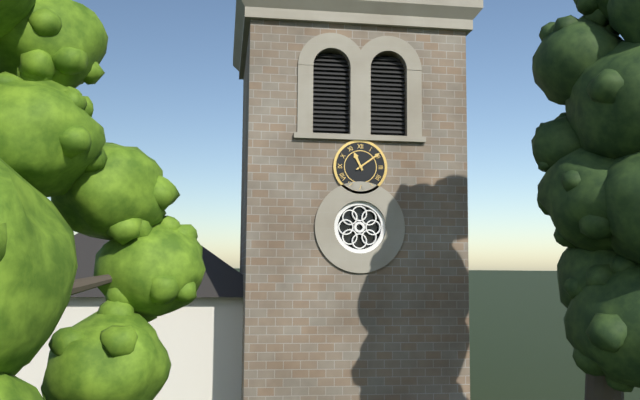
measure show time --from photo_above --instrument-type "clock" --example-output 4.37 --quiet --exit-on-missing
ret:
11.09
